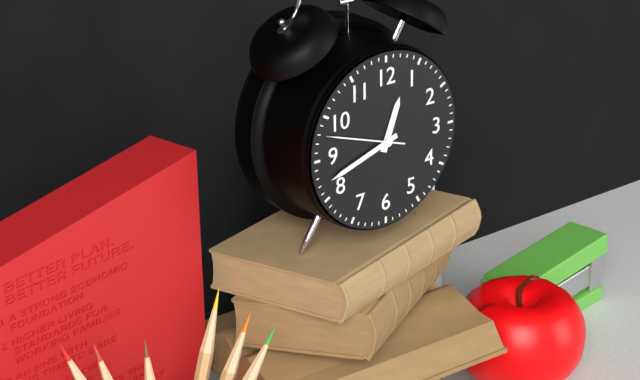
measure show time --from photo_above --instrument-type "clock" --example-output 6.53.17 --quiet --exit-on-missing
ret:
12.42.48
